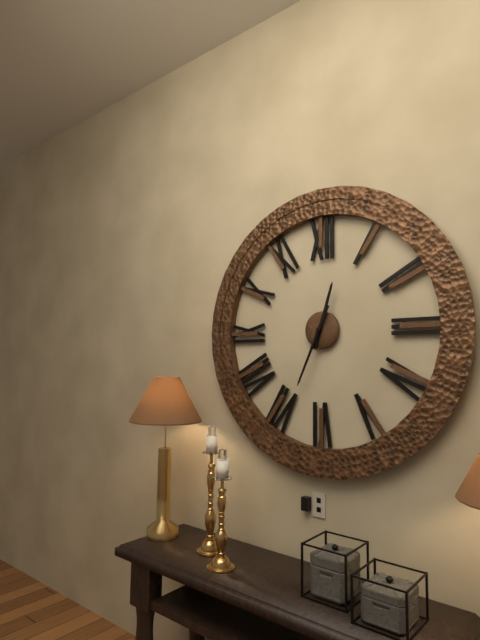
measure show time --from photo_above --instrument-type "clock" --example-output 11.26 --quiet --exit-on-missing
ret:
12.34
